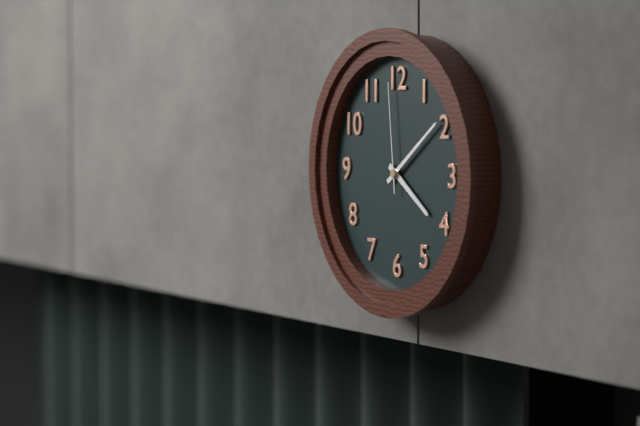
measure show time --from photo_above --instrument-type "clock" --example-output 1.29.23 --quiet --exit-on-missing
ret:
4.09.59
